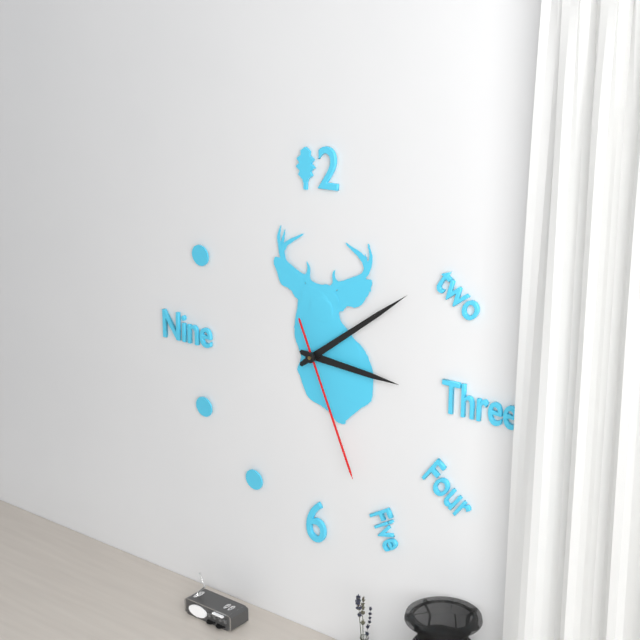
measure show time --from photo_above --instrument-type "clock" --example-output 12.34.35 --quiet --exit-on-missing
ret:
3.09.26
